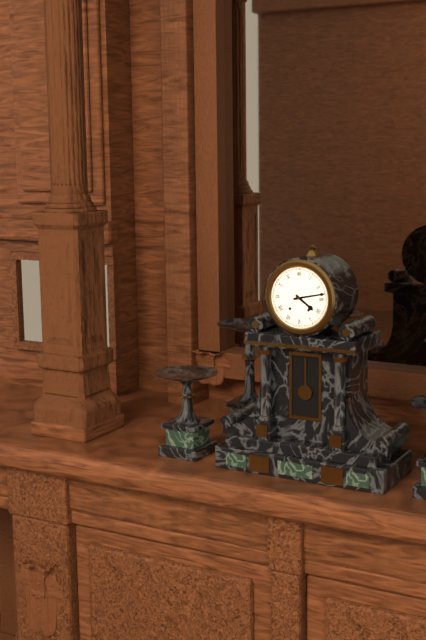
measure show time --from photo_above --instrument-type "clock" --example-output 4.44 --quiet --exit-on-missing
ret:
4.13
